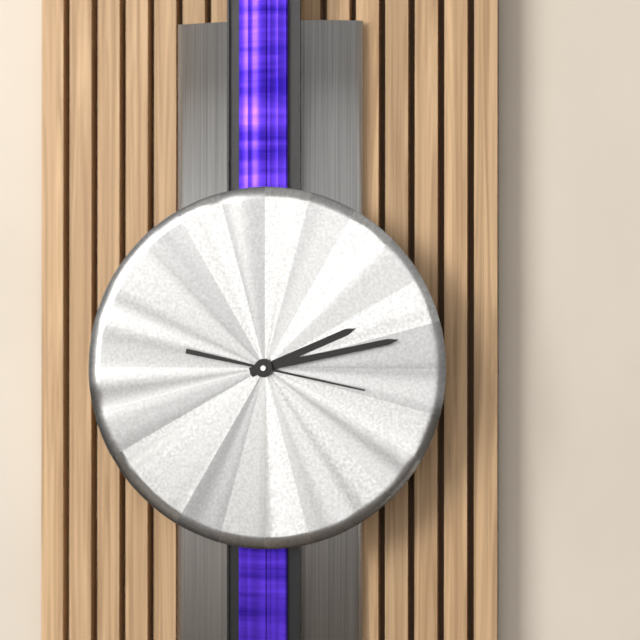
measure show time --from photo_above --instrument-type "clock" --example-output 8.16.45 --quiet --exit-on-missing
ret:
2.13.17
